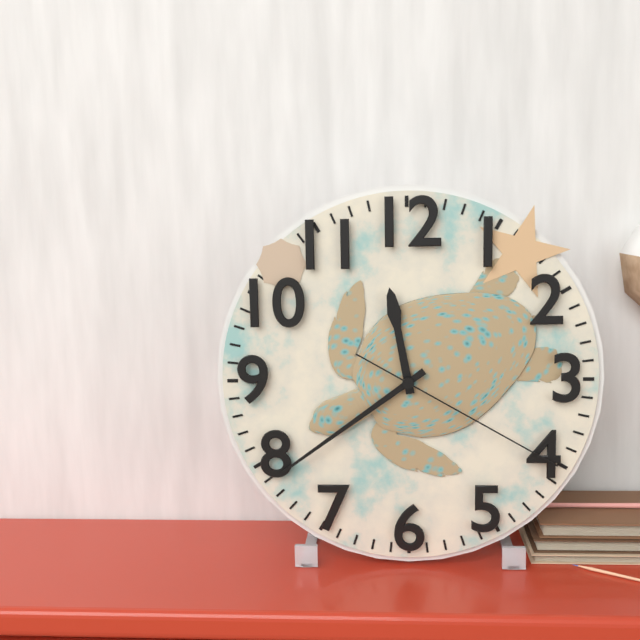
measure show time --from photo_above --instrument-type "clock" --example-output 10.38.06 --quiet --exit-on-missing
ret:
11.39.20
